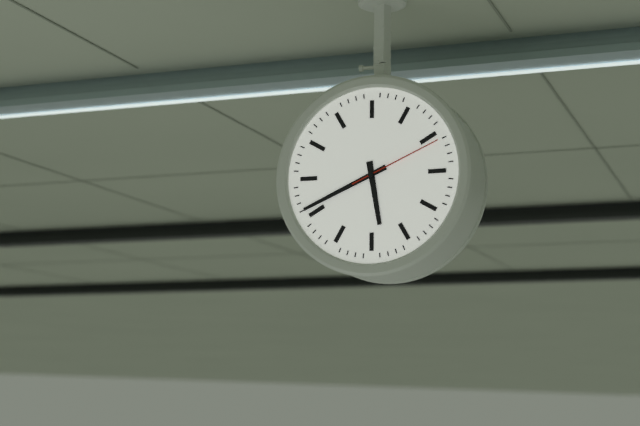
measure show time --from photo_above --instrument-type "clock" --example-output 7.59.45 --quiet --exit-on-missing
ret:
5.41.11
